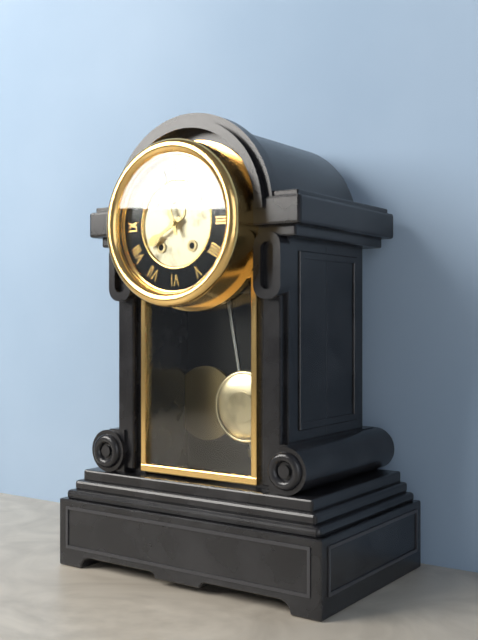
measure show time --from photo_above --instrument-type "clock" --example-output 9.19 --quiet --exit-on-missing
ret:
7.57
